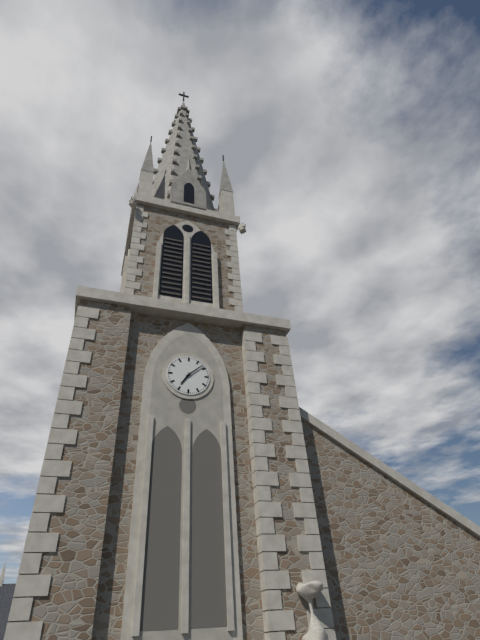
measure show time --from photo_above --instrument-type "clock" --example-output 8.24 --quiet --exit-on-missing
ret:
7.08
